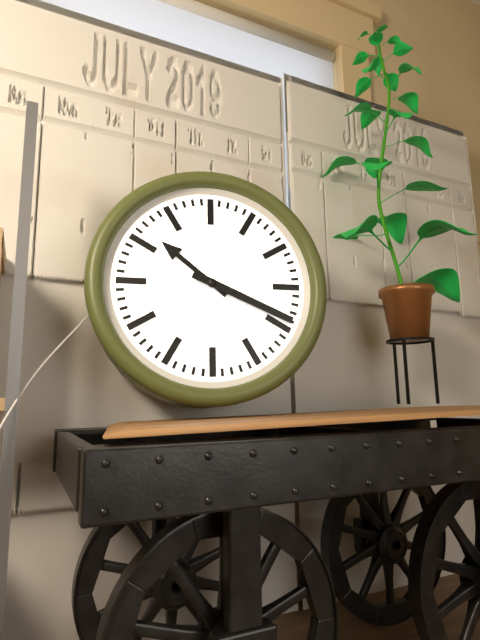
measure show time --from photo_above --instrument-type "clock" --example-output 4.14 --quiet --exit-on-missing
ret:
10.19
